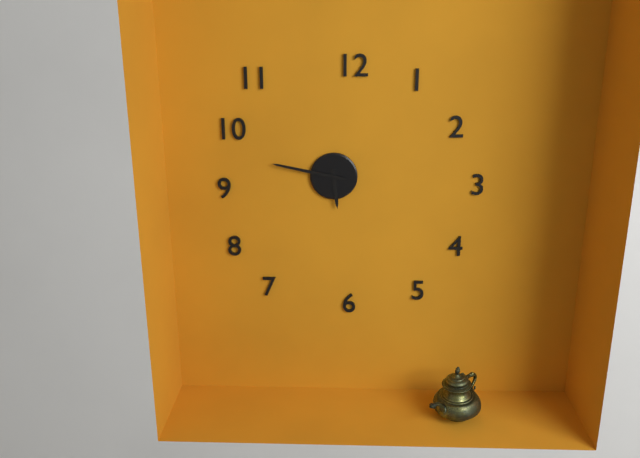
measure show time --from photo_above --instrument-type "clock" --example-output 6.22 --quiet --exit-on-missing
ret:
5.47
